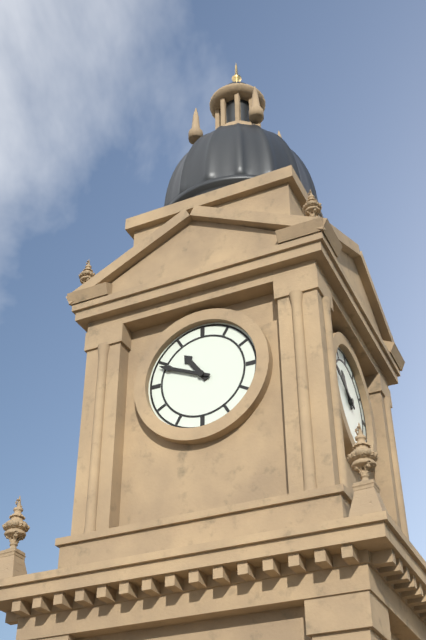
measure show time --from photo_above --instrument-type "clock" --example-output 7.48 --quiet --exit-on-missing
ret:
10.49
